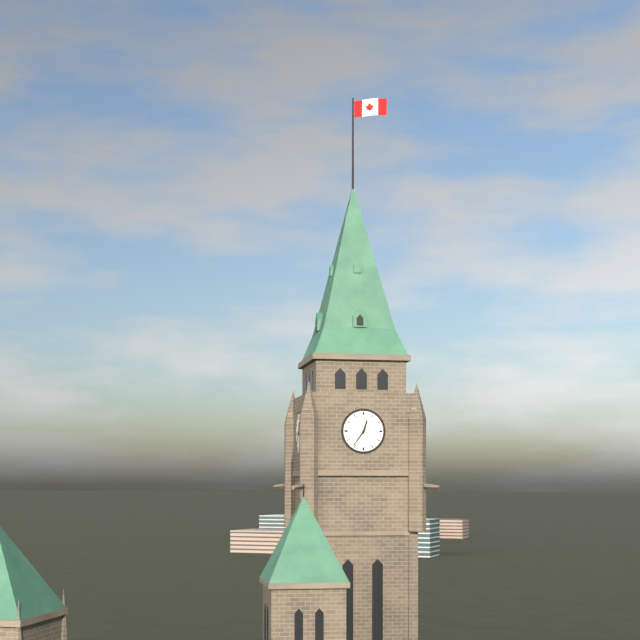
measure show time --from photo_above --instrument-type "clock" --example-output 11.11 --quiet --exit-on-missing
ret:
12.36
